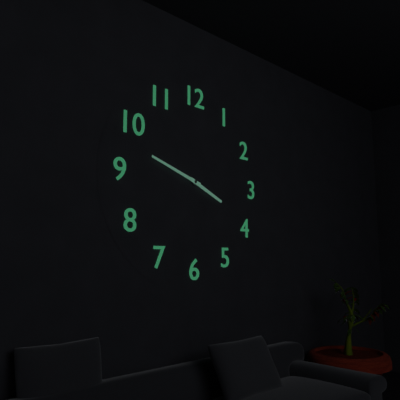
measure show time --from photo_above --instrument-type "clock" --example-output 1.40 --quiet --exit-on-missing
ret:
3.48
